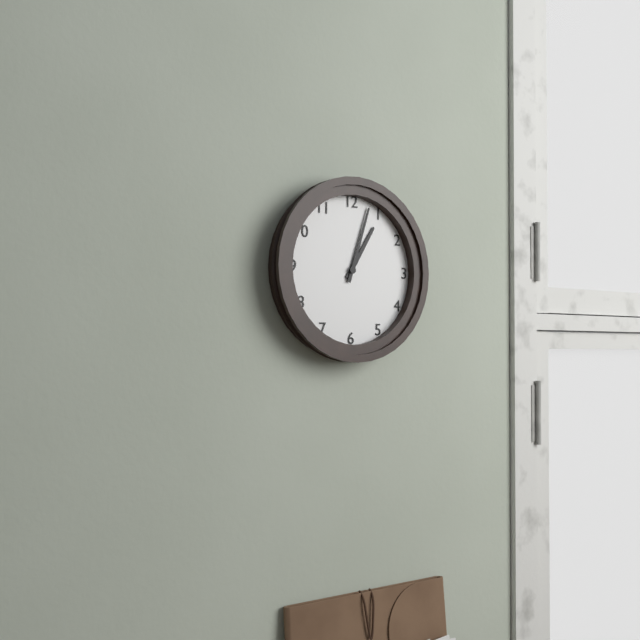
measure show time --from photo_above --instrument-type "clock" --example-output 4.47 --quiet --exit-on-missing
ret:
1.03
